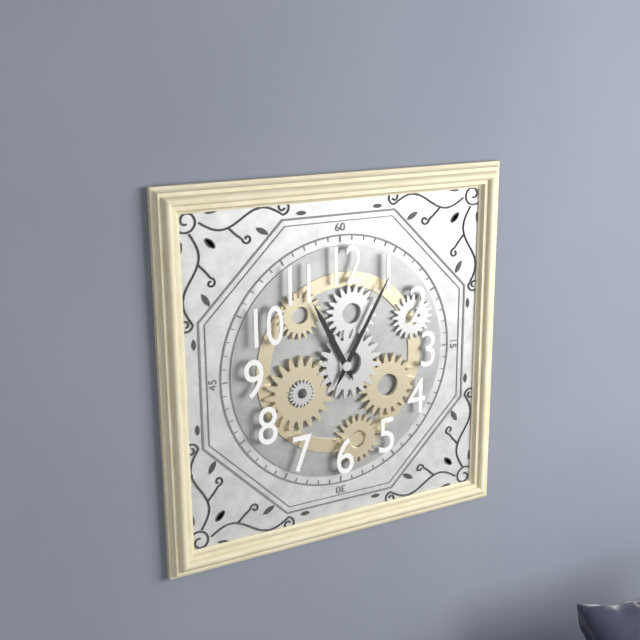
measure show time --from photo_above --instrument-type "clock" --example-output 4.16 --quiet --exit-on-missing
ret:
11.05
